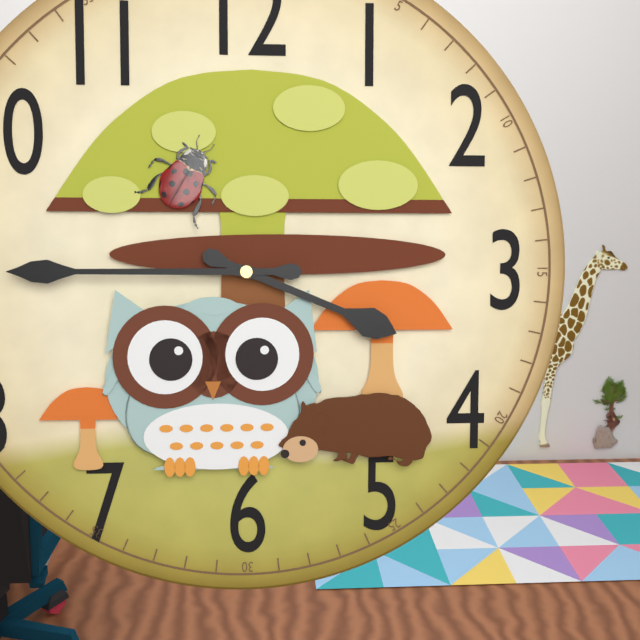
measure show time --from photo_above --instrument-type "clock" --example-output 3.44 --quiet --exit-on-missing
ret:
3.45
